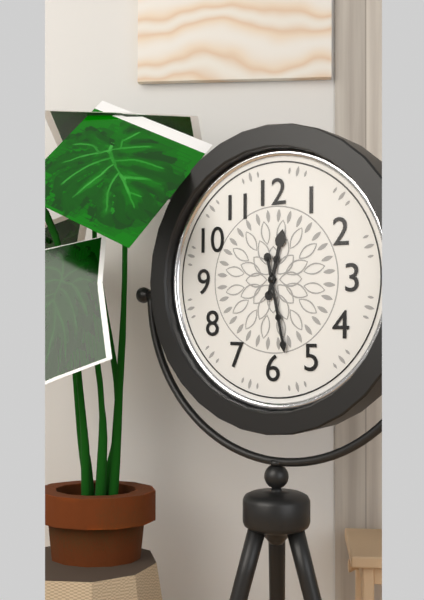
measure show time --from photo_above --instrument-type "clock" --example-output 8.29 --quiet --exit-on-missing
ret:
12.28
